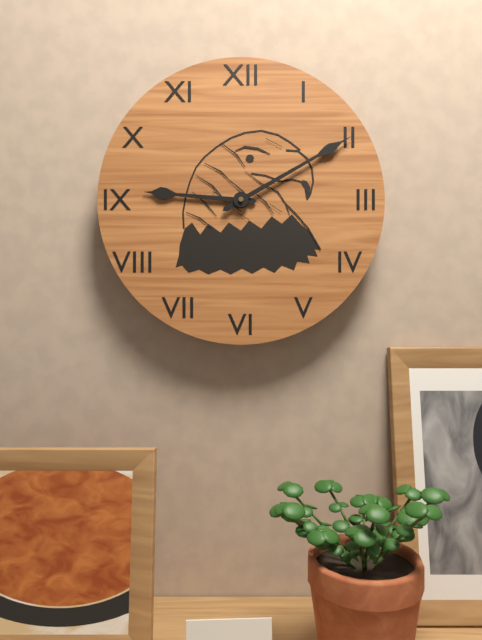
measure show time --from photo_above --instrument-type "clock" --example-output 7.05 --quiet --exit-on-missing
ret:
9.10
